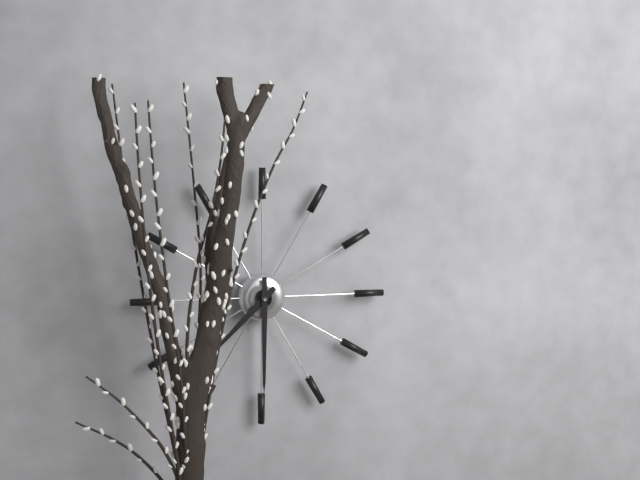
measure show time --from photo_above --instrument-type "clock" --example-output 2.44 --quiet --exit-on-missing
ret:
7.30
